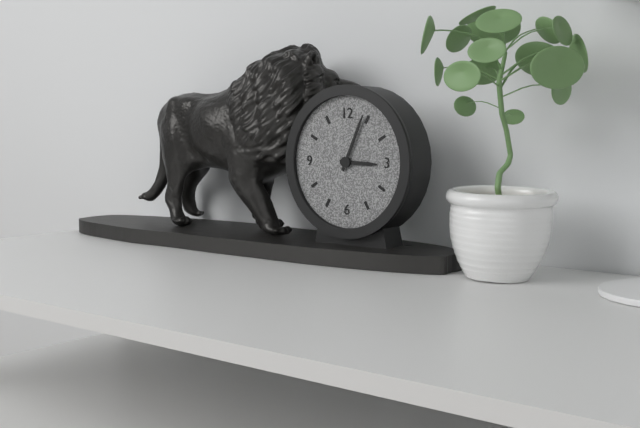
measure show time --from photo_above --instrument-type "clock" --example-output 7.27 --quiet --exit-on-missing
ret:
3.04
